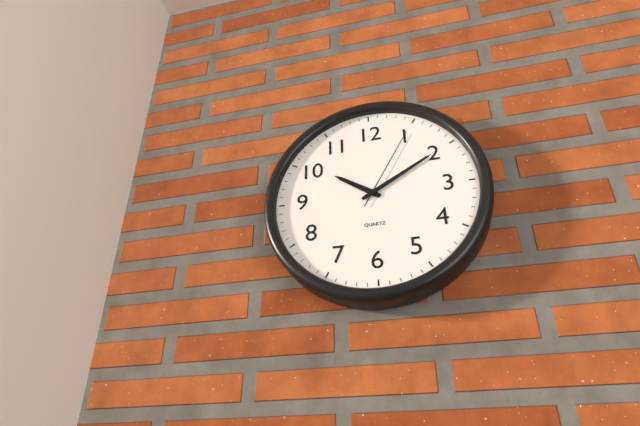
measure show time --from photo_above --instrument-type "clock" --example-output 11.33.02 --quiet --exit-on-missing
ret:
10.10.05
